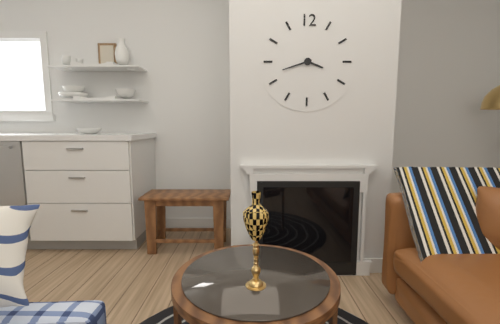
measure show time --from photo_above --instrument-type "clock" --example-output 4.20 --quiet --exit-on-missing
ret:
3.42
